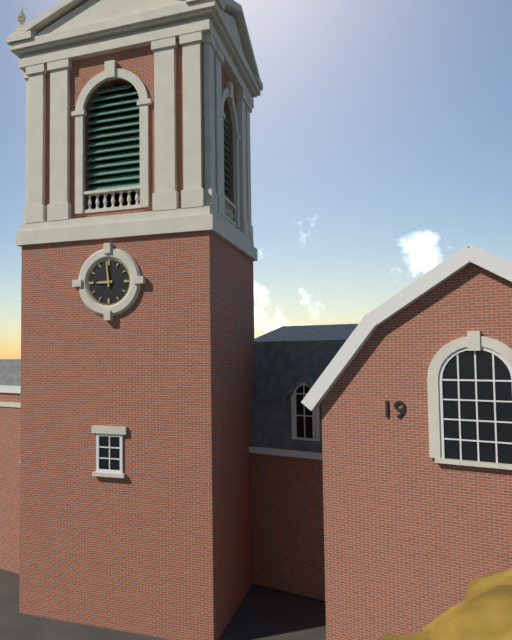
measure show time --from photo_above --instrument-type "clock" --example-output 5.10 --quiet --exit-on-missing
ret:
8.59
